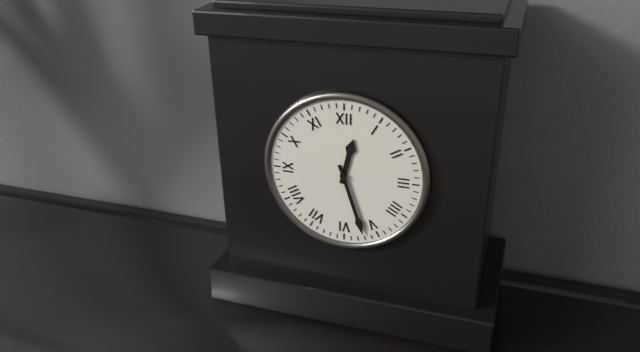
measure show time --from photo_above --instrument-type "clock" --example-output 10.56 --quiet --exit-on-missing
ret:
12.27
